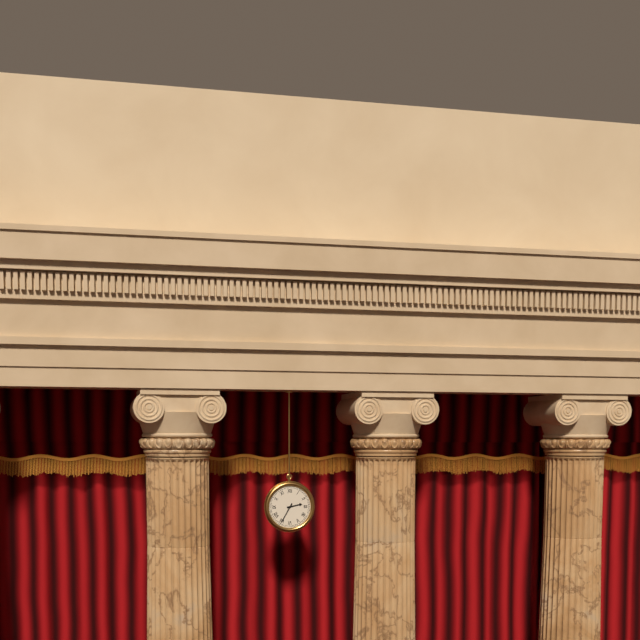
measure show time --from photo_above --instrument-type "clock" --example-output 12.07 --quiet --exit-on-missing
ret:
2.35
